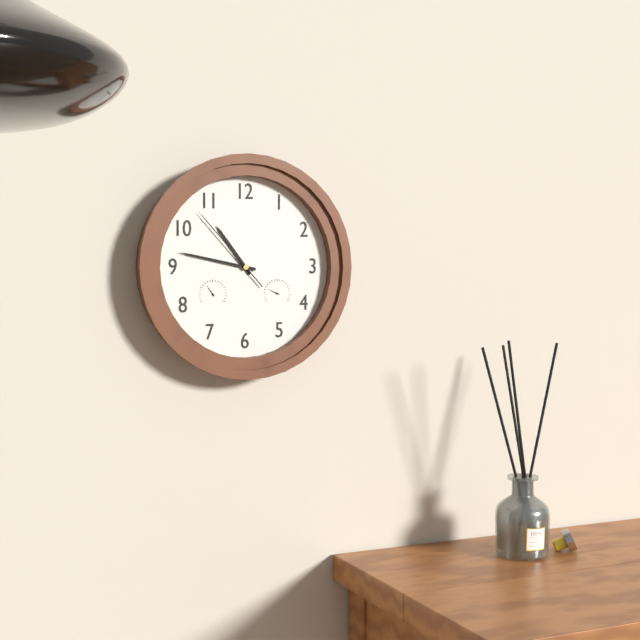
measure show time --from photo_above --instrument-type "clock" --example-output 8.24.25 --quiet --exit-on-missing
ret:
10.47.53
